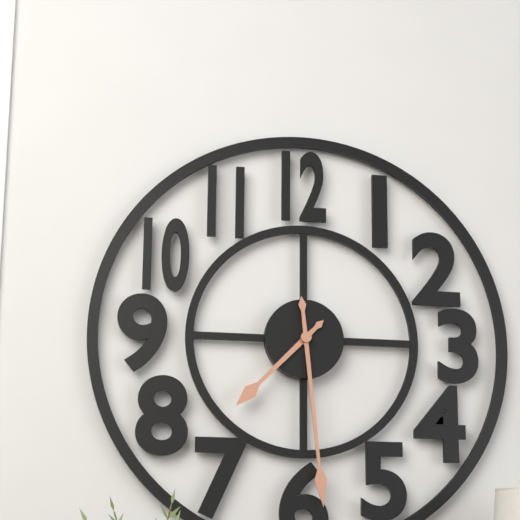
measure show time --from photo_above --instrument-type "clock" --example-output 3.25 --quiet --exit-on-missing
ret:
7.29
